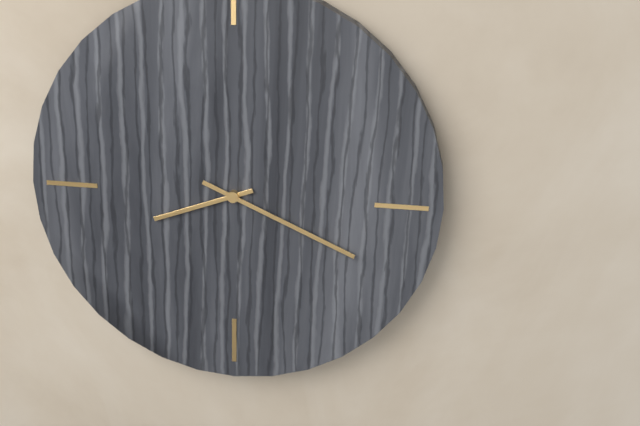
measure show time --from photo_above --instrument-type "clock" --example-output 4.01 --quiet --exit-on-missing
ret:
8.19
